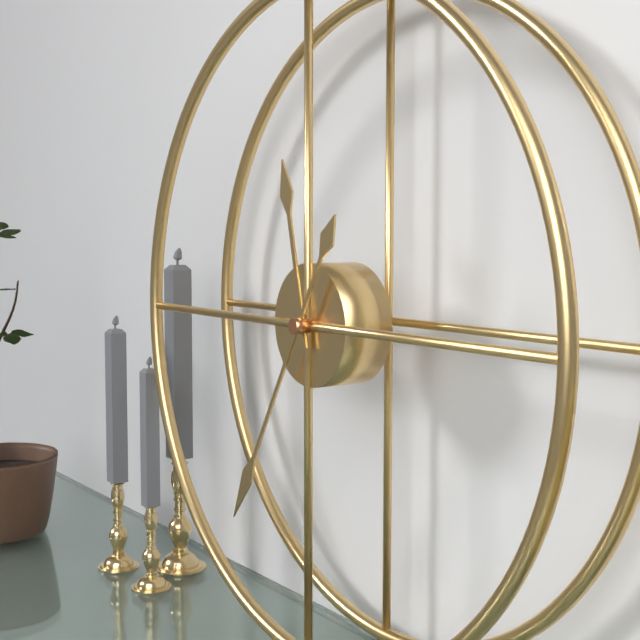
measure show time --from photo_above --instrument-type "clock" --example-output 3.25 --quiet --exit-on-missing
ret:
11.35
